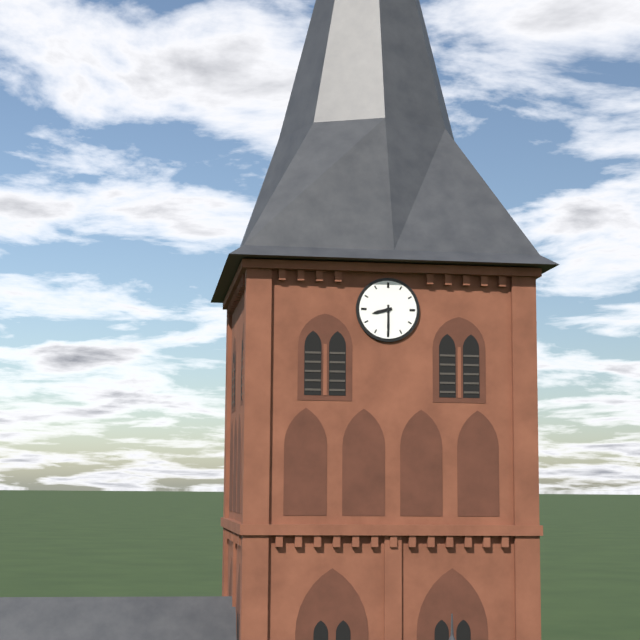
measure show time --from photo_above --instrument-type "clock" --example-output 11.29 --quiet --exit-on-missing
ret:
8.30
